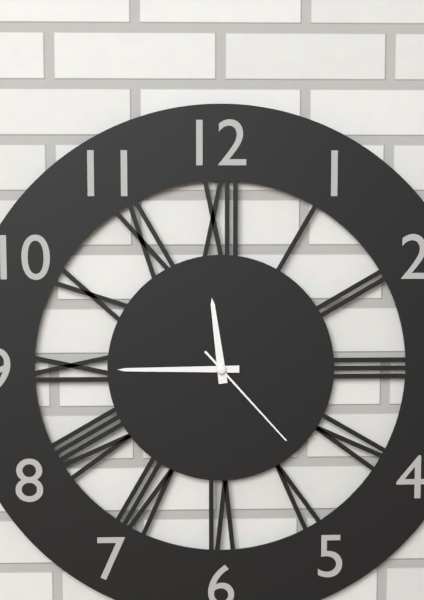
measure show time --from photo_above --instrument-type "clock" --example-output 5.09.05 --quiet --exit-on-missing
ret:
11.45.23
